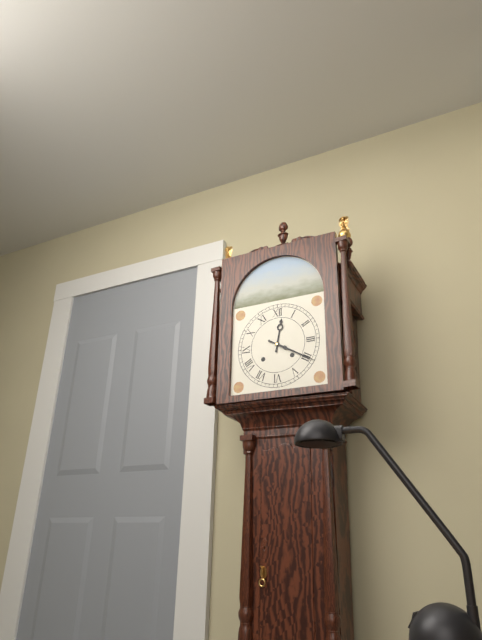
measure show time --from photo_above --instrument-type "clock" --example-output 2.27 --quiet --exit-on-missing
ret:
12.20
